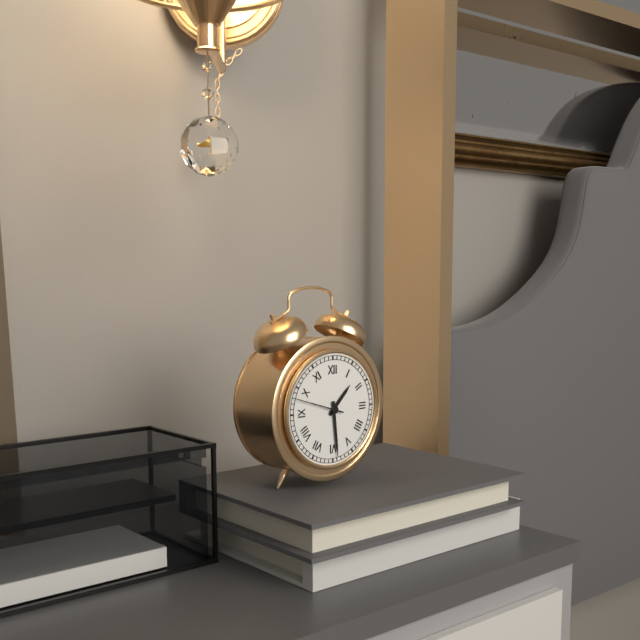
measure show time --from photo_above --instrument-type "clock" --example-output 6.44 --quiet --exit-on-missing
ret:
1.29
